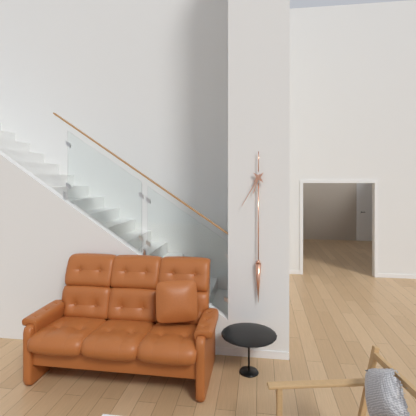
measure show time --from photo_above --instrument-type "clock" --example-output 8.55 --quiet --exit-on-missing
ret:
6.35
